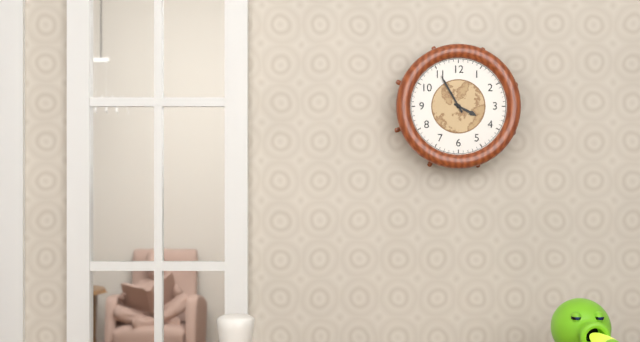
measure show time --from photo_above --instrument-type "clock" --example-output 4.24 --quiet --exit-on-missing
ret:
3.55
